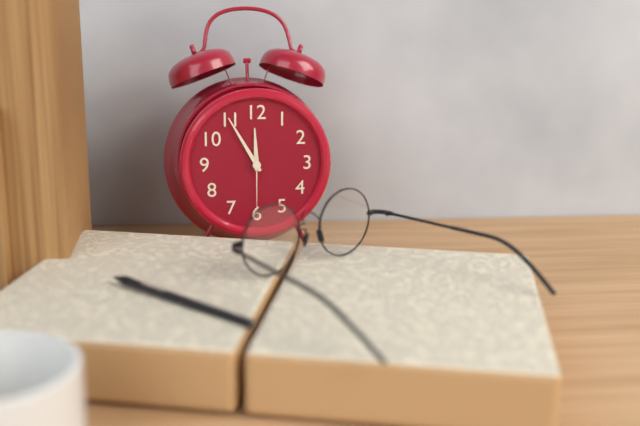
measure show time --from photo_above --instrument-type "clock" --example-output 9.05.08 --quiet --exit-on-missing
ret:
11.55.30
